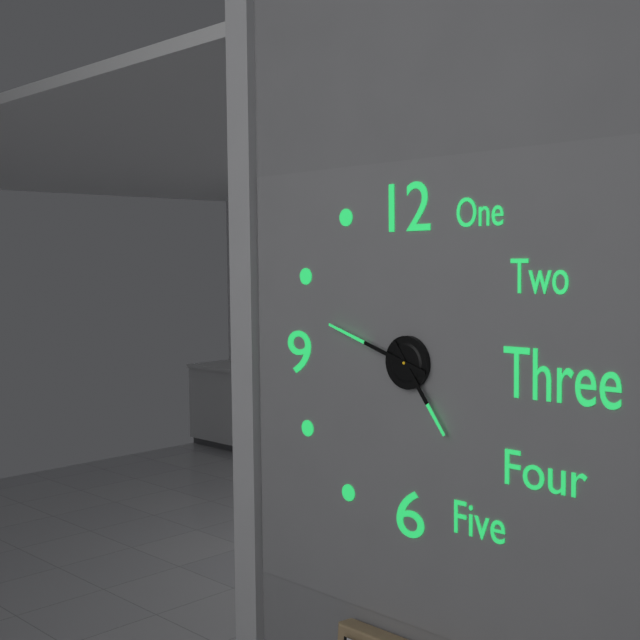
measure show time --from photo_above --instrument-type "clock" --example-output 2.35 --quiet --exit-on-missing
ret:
4.48
